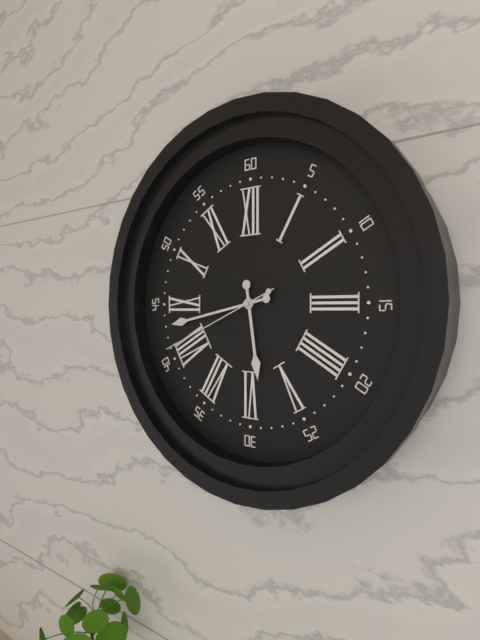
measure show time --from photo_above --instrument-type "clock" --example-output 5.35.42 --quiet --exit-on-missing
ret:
5.43.41
